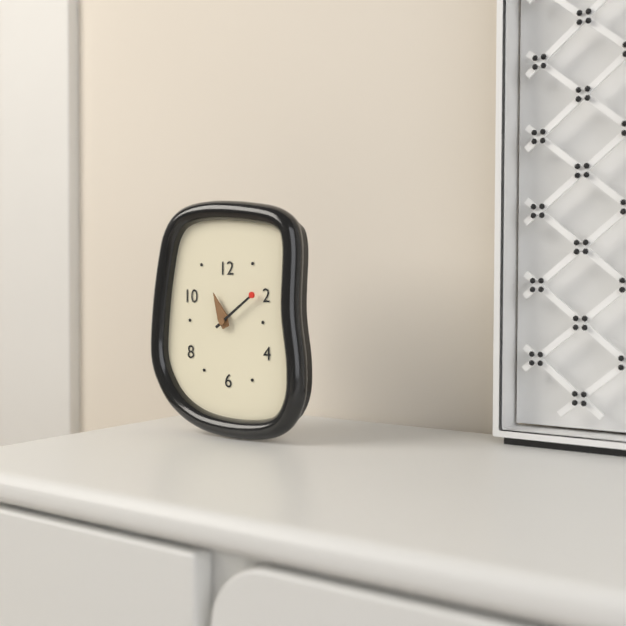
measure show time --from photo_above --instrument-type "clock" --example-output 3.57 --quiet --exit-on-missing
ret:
11.09
